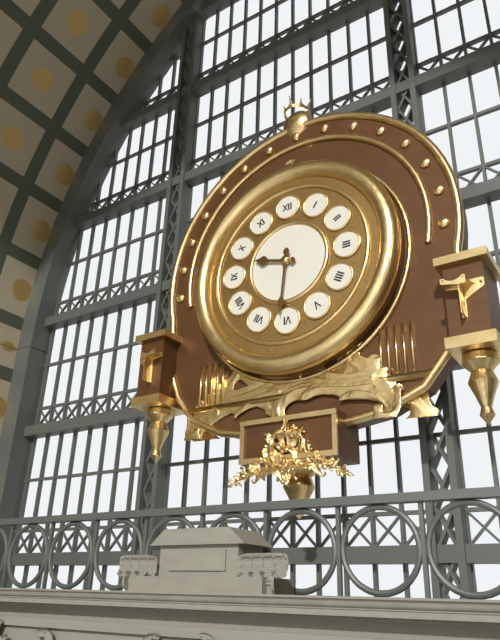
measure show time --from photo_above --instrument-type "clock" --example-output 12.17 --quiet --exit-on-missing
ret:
9.31
